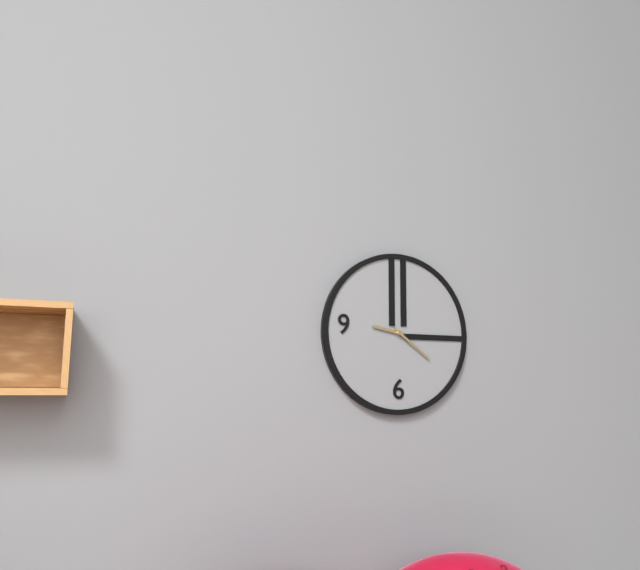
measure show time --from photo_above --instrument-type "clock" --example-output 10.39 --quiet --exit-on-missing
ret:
9.21
